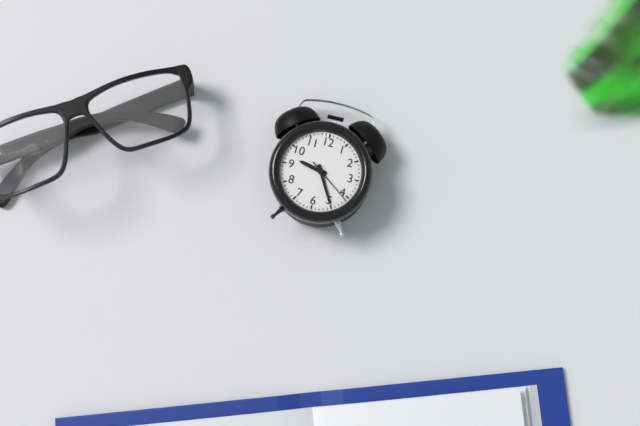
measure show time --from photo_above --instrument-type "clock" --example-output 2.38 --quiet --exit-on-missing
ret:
9.25
